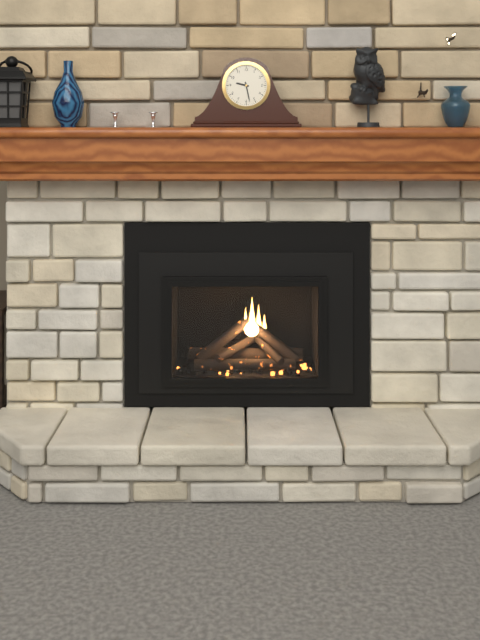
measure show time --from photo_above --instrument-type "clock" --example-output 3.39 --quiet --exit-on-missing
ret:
9.28
